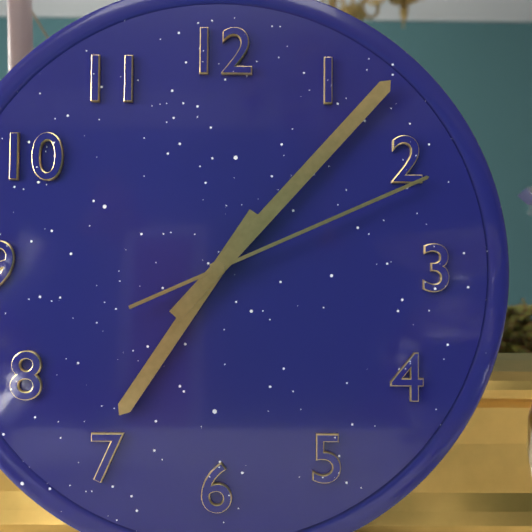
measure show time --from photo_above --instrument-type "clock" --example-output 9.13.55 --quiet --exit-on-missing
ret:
7.07.11
